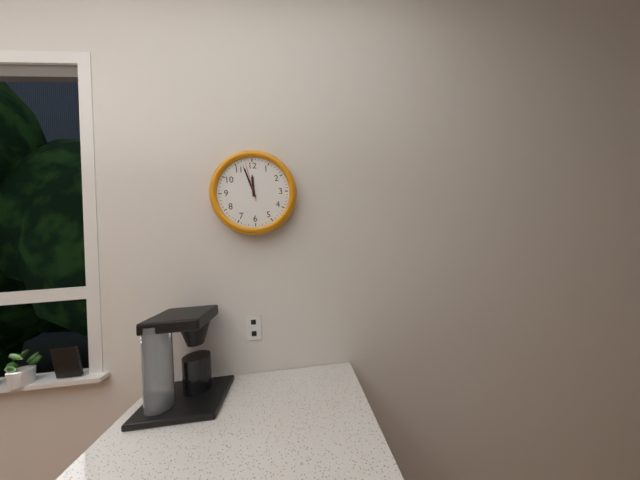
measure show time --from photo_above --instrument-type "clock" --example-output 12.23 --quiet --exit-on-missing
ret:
11.57
